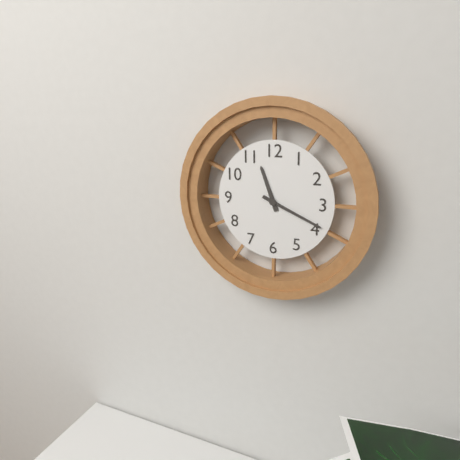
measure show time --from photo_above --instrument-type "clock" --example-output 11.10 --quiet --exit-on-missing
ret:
11.19
